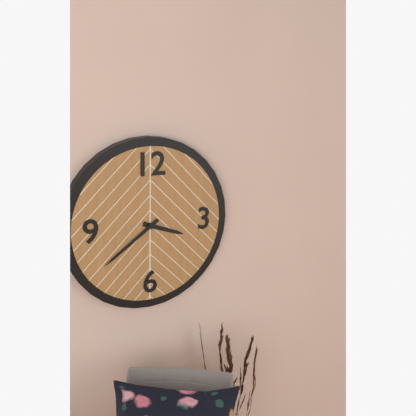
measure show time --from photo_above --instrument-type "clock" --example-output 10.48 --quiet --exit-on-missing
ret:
3.39
